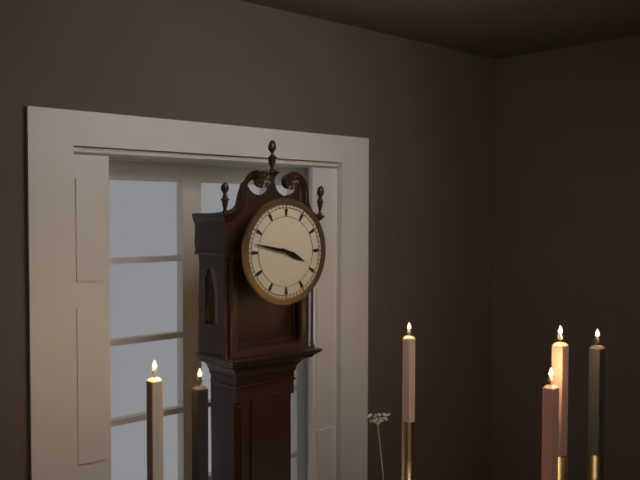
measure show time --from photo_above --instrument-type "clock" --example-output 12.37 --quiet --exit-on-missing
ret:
3.47
